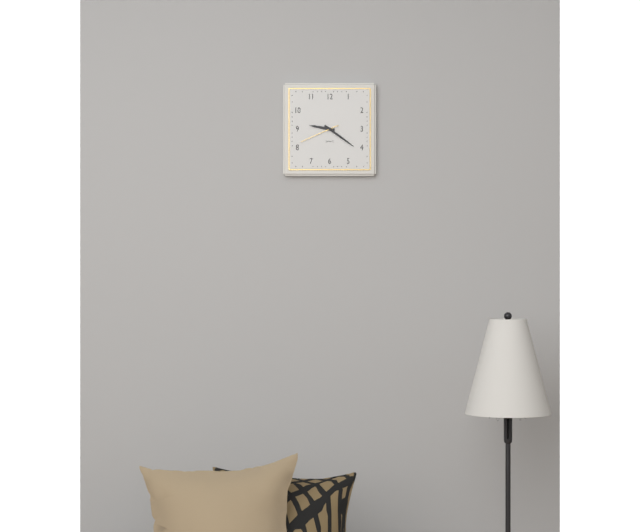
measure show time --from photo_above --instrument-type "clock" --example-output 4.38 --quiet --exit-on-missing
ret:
9.21
